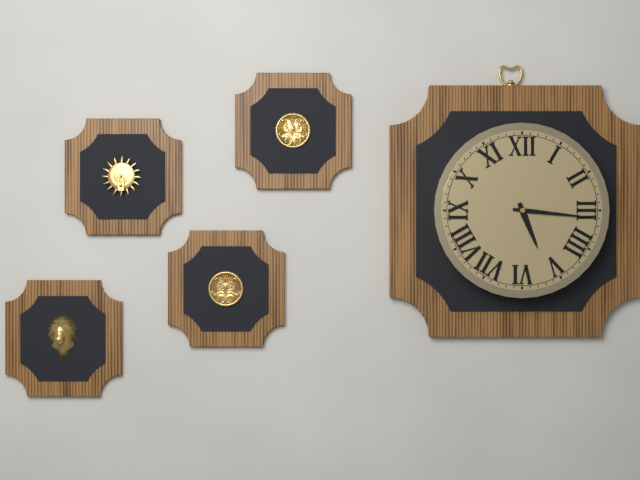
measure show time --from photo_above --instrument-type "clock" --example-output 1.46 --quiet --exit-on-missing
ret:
5.16
